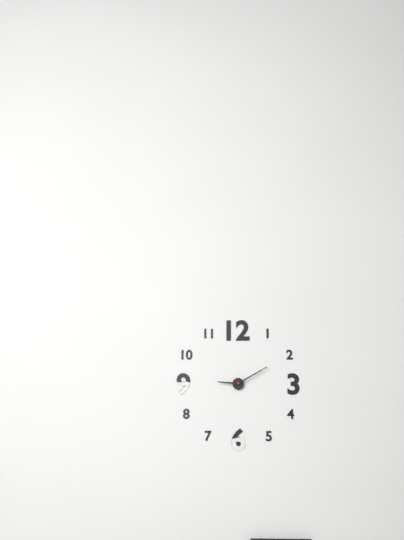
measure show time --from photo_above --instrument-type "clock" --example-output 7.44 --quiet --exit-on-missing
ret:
9.10
